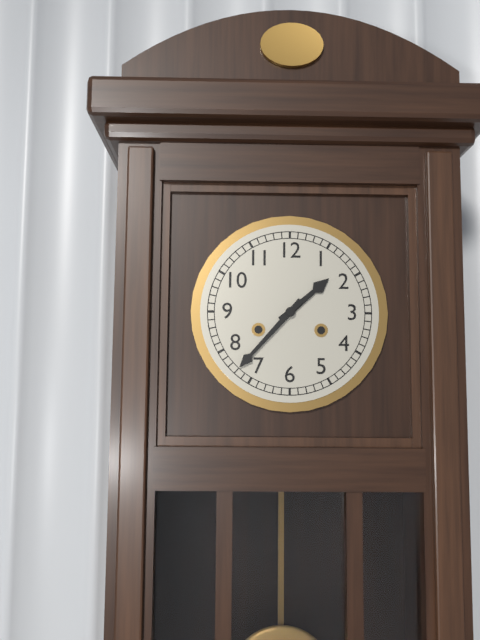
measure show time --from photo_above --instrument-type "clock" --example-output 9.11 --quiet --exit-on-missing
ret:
1.37
